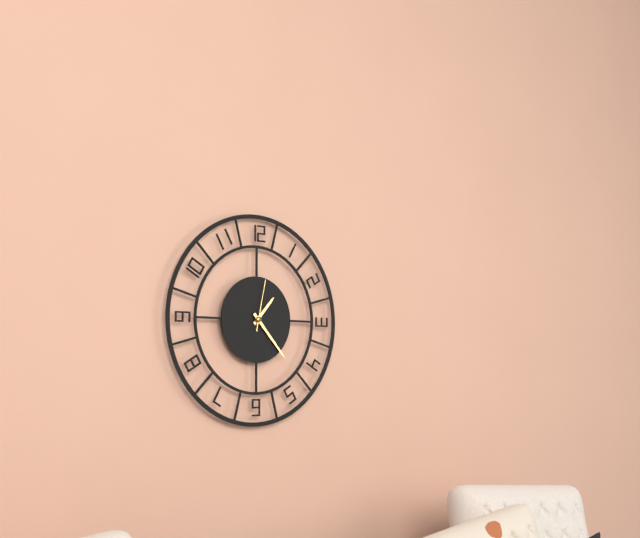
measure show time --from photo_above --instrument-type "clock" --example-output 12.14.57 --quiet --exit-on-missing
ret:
1.23.02
